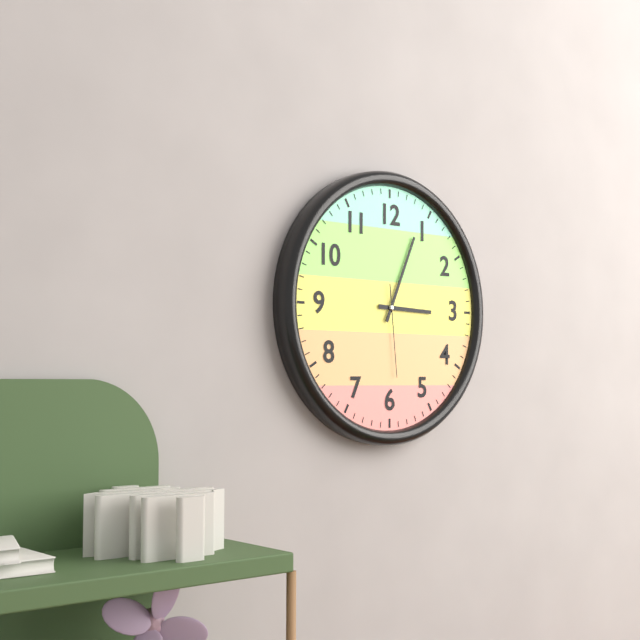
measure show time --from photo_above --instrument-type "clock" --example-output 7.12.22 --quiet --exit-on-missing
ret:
3.04.29
